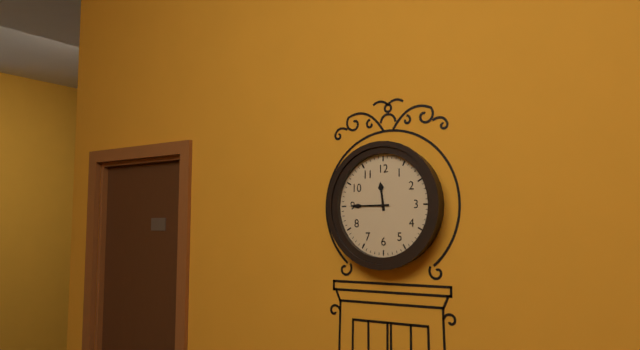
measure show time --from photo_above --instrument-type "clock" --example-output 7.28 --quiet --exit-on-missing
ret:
11.45
